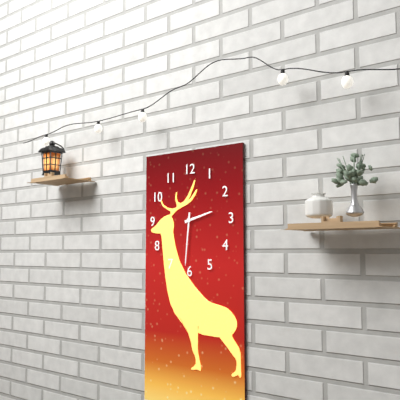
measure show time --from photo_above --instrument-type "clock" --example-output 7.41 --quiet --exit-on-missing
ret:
2.31
